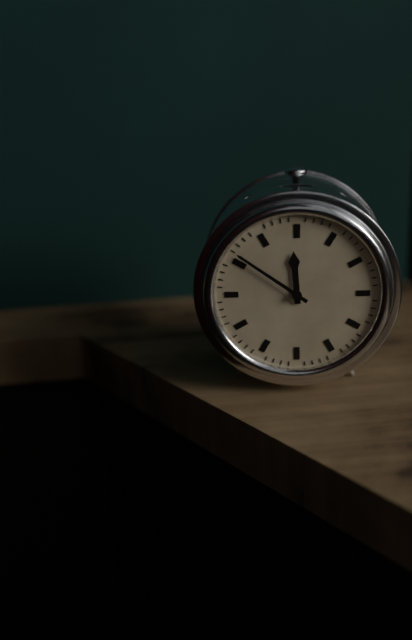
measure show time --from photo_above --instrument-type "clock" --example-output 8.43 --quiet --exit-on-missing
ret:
11.51
